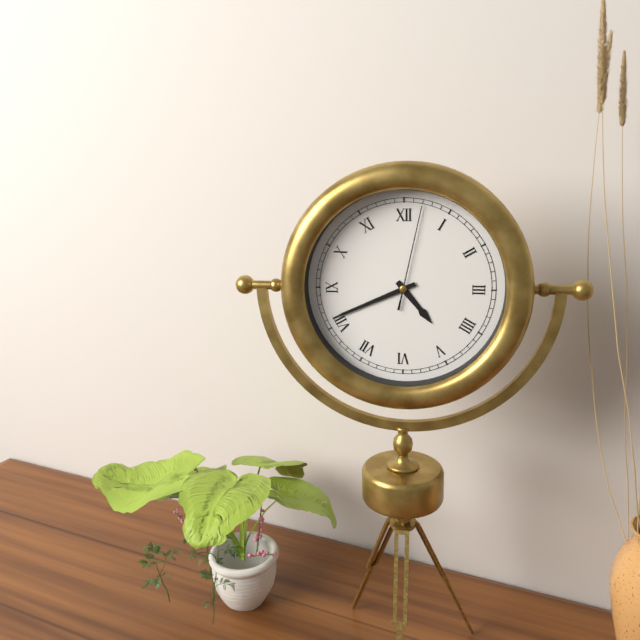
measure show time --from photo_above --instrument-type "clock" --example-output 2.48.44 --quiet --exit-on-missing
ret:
4.41.02
